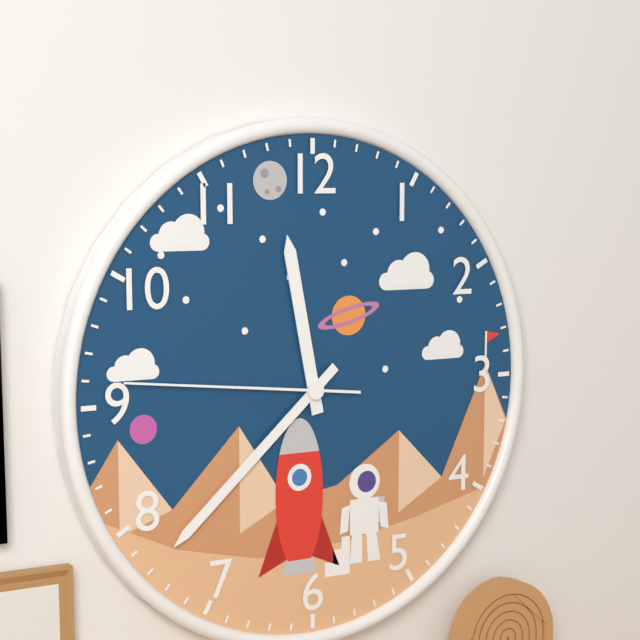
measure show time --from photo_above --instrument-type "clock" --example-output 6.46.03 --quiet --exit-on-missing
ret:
11.38.46
